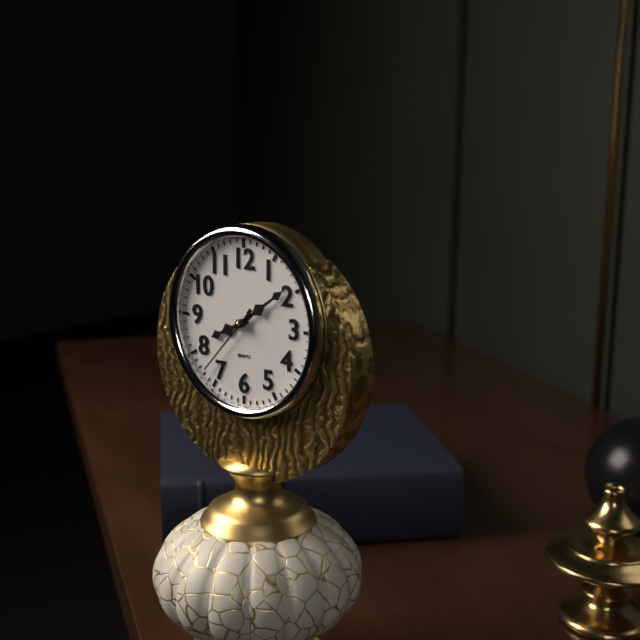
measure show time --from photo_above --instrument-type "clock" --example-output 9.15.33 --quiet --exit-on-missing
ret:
8.09.37
